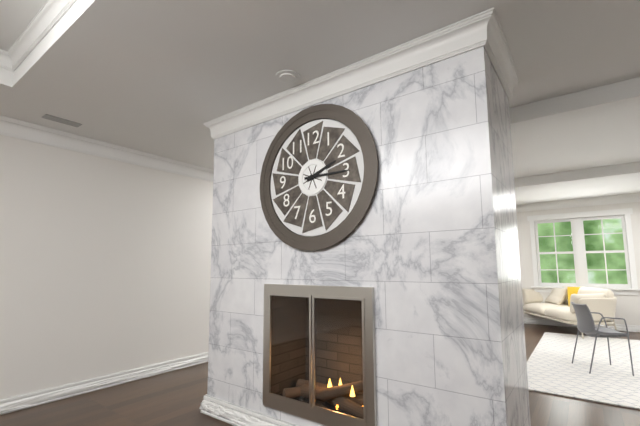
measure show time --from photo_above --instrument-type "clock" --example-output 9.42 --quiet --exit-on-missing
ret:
2.15
